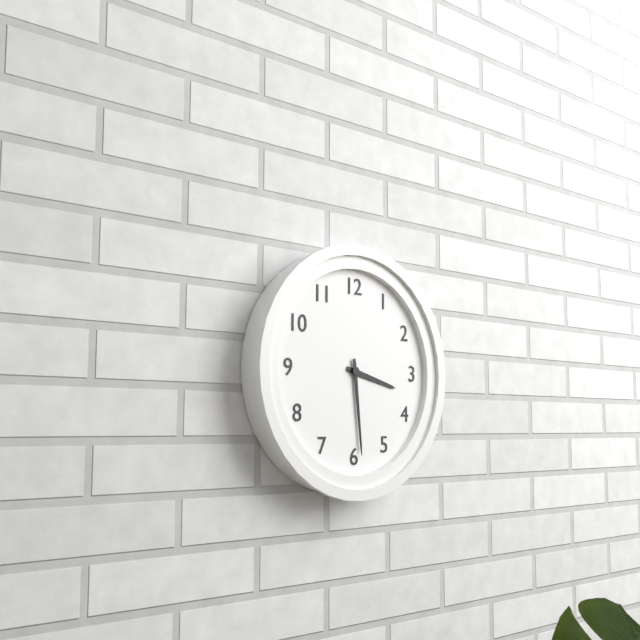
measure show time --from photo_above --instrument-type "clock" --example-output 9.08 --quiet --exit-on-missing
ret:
3.29
